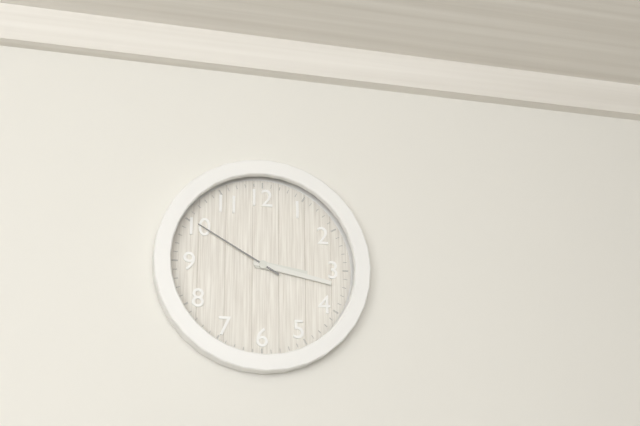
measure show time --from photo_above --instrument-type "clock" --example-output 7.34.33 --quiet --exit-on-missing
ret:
3.17.50
